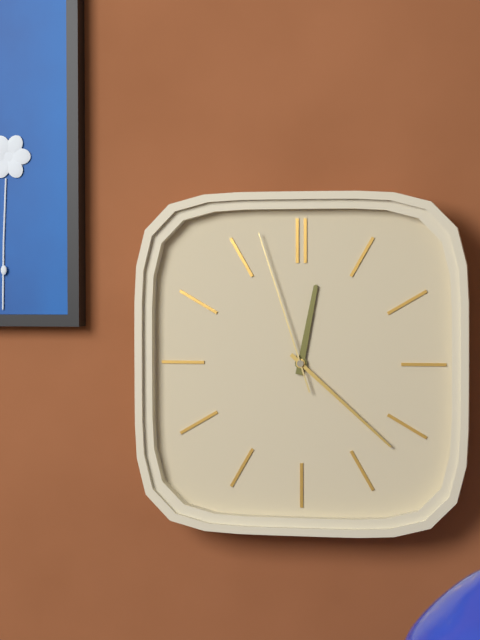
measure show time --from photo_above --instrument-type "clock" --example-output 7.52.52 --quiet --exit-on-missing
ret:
12.22.57
